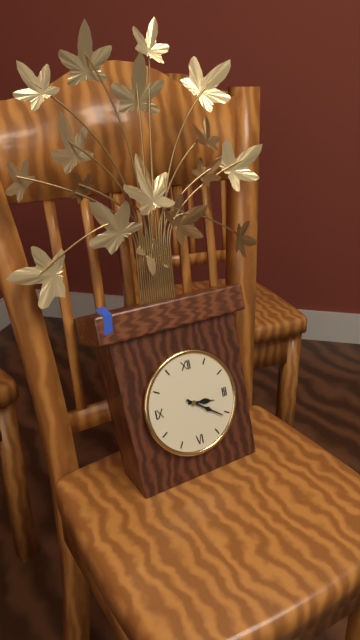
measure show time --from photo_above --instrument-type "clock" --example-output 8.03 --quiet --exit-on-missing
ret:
3.21
